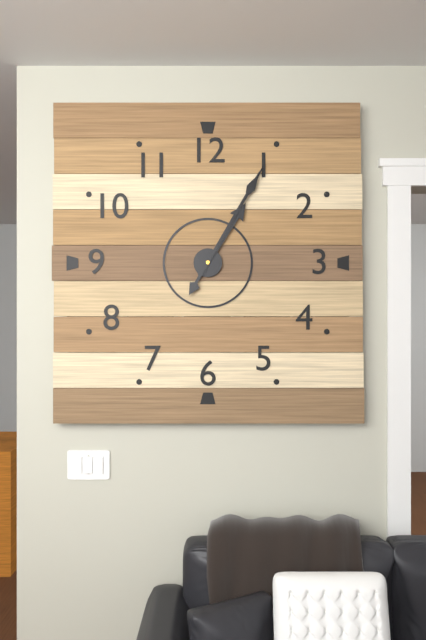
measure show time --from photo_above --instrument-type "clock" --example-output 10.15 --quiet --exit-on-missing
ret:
1.05
